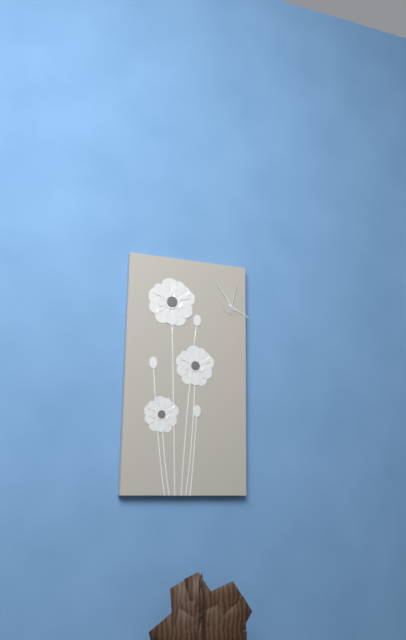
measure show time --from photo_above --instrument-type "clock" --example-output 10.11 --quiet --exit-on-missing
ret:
3.54
